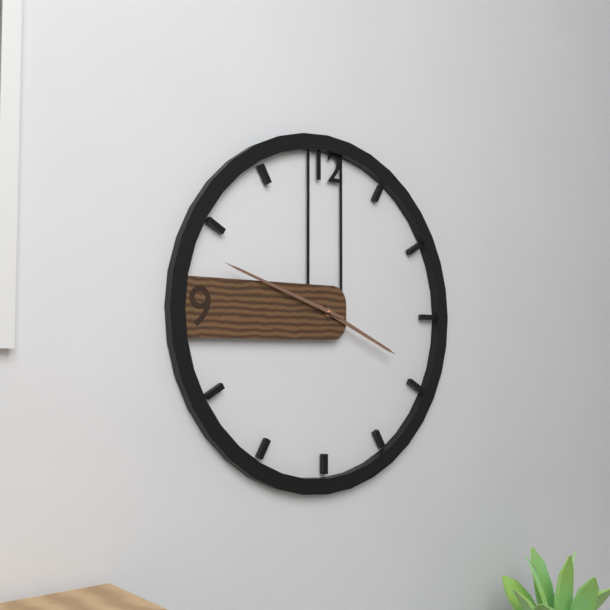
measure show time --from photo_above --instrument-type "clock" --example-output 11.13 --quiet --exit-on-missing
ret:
3.48
